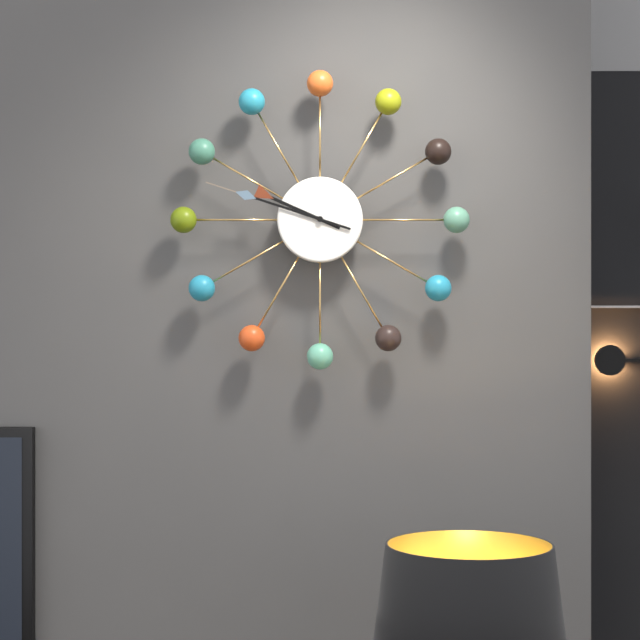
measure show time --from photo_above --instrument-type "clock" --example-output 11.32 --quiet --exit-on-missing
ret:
9.48
